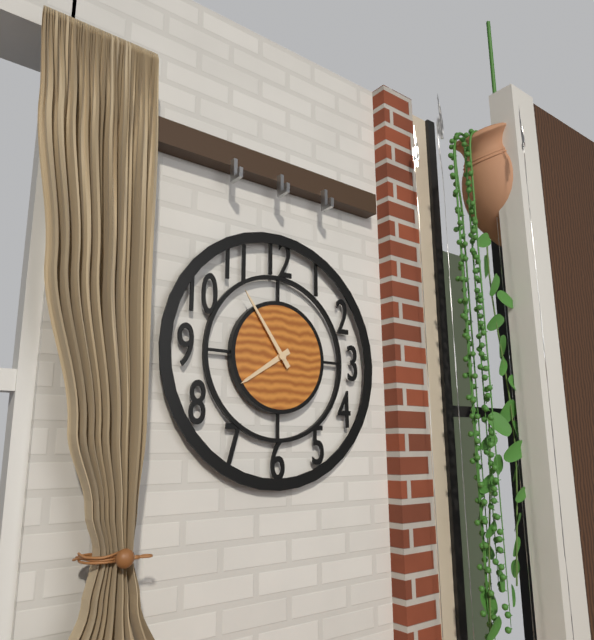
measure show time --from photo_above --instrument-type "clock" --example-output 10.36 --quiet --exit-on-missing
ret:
7.54
